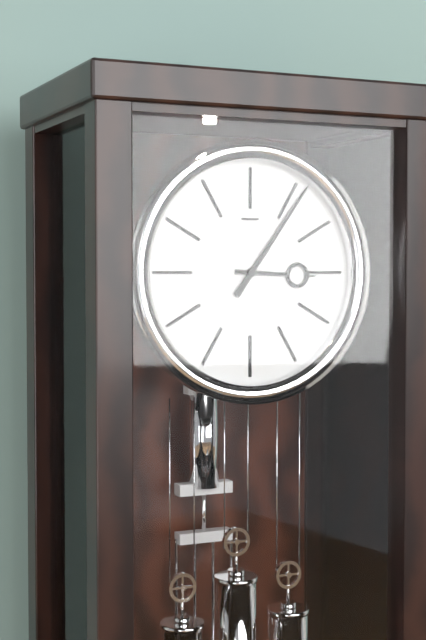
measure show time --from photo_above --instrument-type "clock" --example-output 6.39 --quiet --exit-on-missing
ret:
3.06
